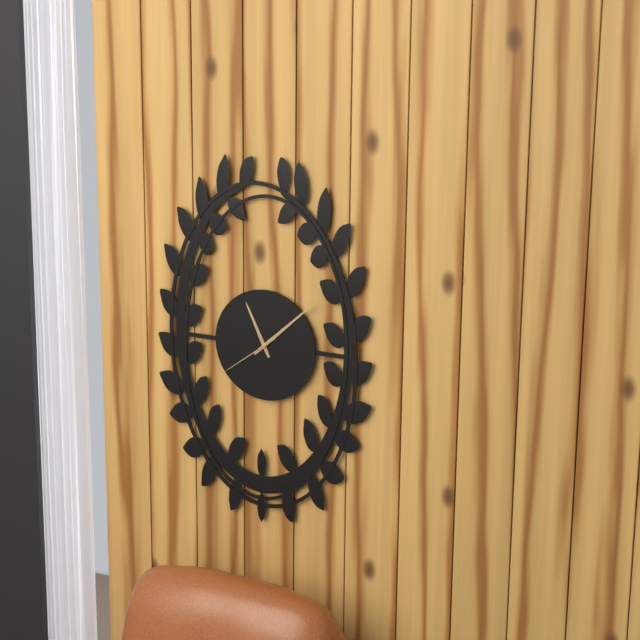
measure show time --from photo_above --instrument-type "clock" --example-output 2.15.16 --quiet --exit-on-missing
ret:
11.08.39
